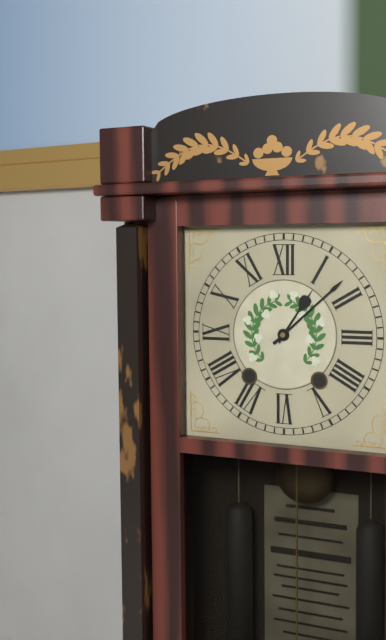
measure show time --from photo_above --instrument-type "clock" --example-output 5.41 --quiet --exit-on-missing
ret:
1.08
